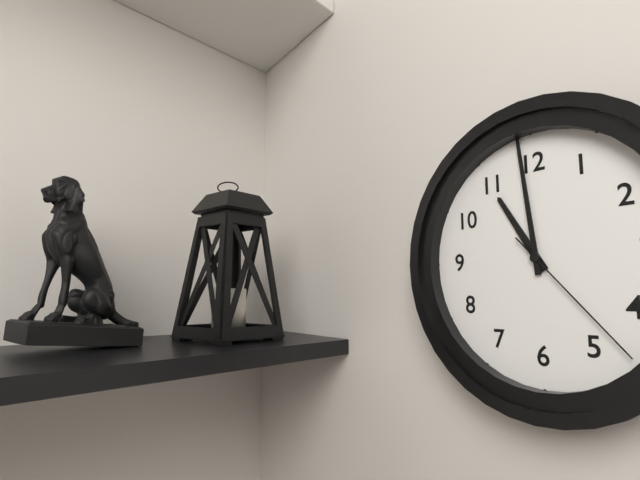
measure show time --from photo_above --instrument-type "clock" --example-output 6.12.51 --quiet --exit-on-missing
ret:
10.59.23
